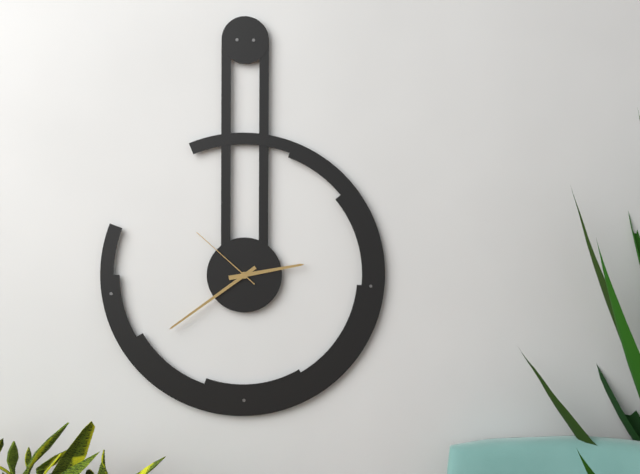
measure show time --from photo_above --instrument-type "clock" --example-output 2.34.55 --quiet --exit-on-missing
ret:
2.39.52
